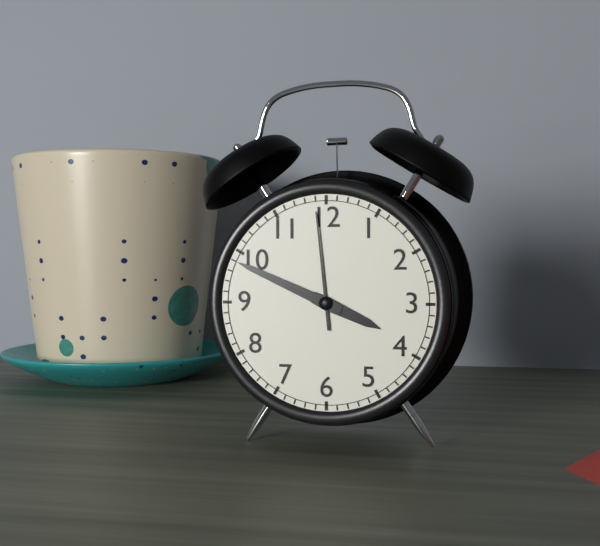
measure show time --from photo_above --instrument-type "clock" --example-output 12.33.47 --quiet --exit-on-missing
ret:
3.49.59
